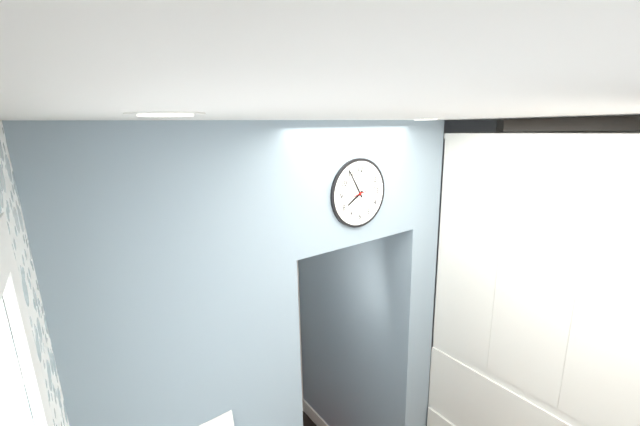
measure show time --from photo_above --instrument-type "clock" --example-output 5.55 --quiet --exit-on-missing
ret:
7.55
